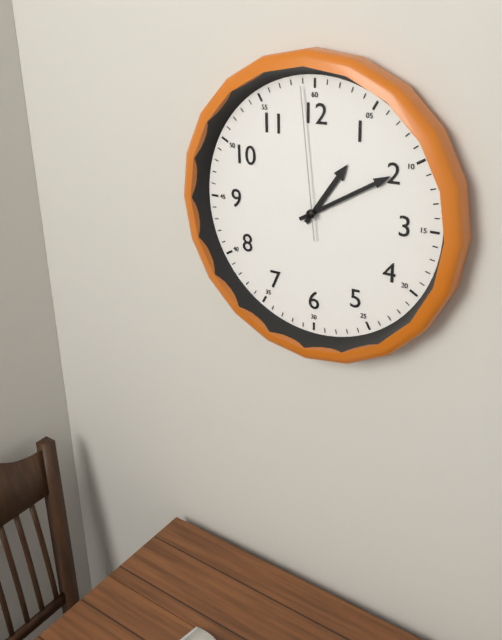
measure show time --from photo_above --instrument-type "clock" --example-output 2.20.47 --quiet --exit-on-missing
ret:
1.10.59
